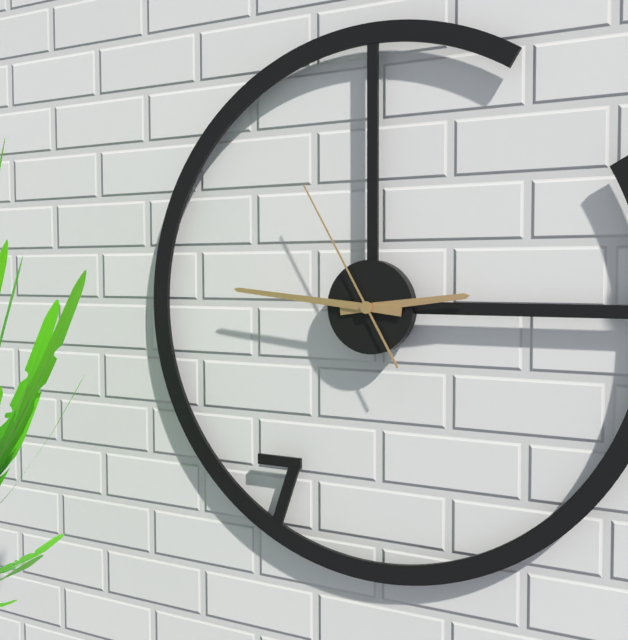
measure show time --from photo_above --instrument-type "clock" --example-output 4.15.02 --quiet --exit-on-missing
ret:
2.46.55
